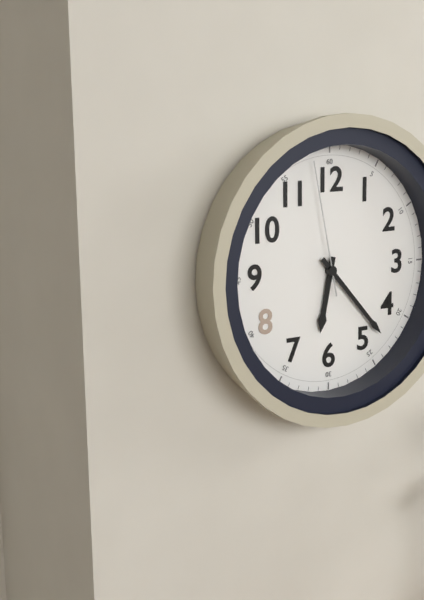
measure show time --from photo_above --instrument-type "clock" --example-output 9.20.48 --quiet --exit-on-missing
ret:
6.23.58
